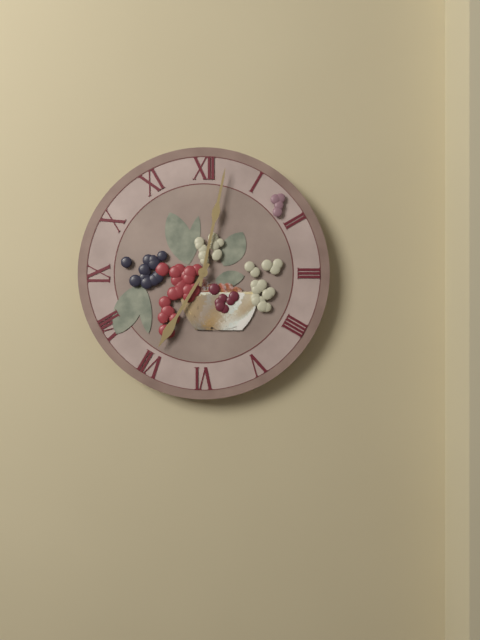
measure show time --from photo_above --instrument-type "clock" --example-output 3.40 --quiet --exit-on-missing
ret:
7.02
